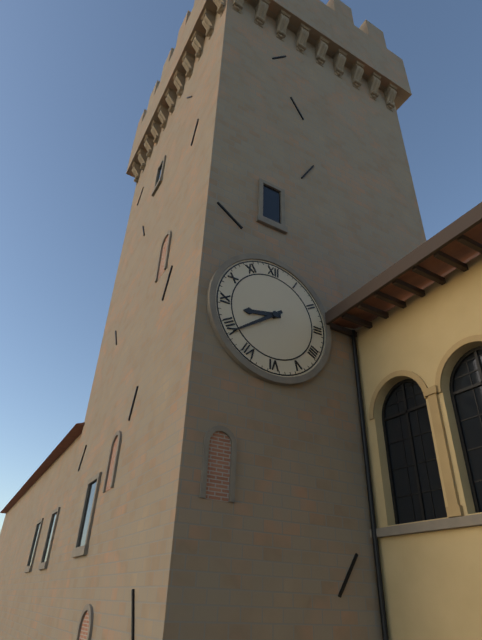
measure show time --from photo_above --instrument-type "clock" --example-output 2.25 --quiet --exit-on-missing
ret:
8.39
